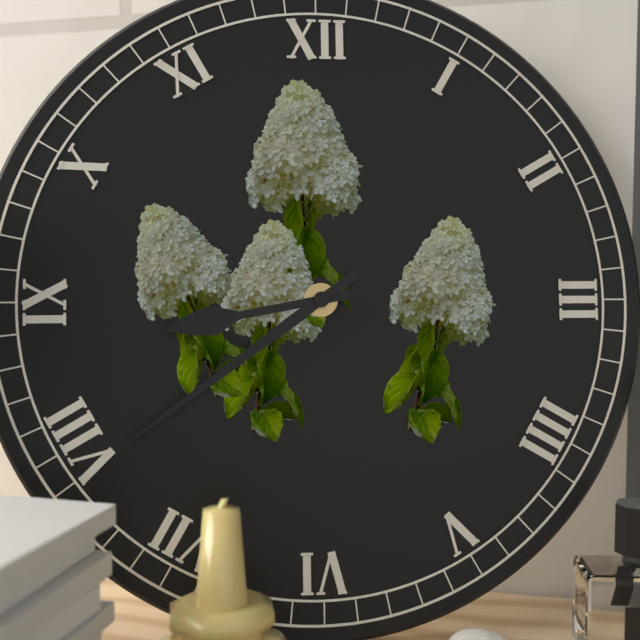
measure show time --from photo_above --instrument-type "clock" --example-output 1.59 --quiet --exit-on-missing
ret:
8.39
